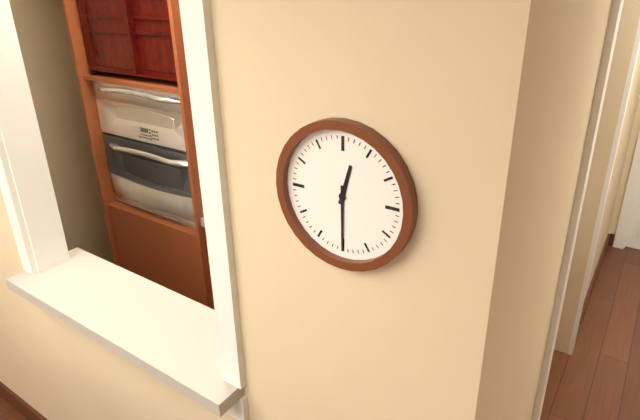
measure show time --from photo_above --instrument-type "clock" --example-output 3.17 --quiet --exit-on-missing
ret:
12.30
